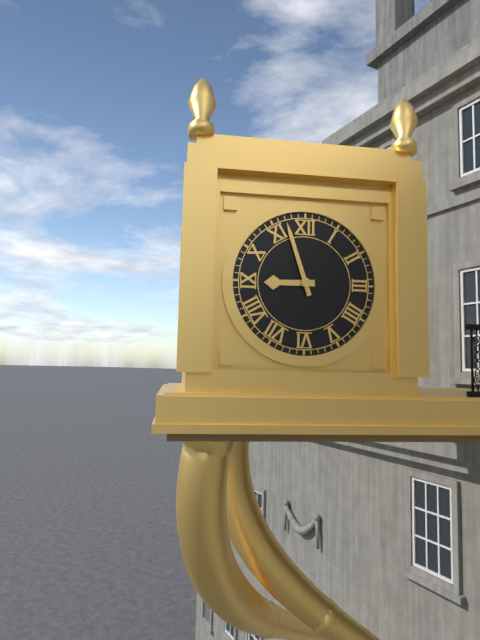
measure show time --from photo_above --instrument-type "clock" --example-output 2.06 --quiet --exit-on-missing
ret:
8.57
